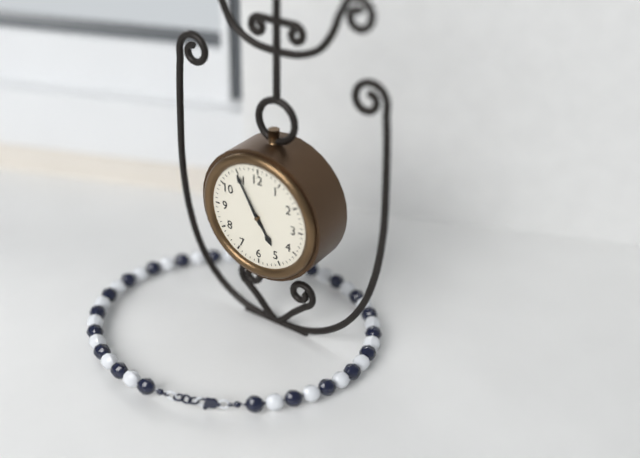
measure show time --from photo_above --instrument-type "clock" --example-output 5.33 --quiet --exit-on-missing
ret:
4.55
